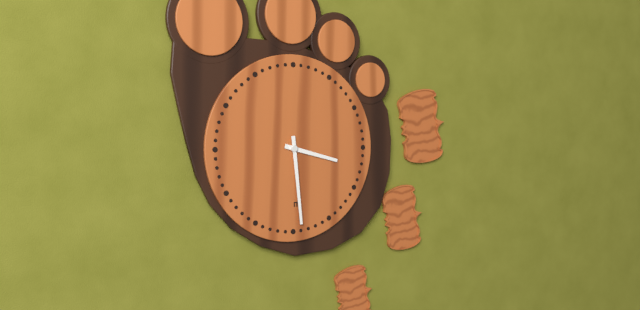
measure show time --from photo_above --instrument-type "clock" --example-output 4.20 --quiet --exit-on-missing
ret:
3.29
